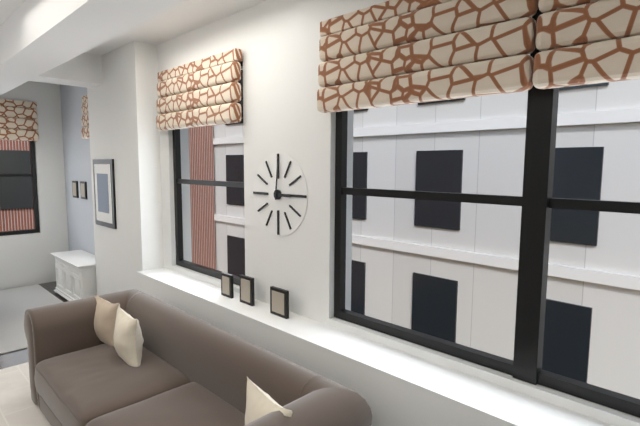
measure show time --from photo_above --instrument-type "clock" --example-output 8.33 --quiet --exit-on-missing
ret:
3.01
